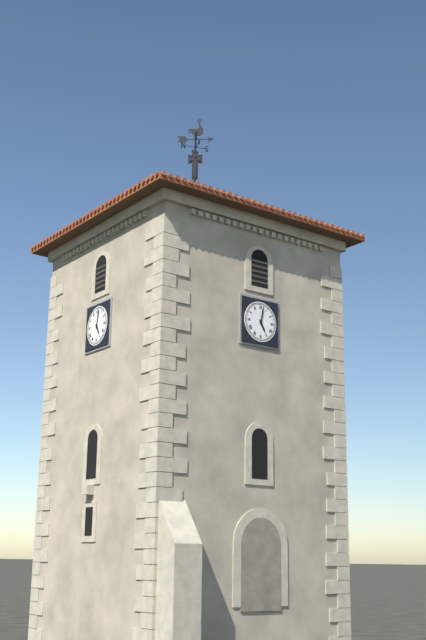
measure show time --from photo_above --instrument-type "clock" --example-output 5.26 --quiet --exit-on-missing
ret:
5.02
